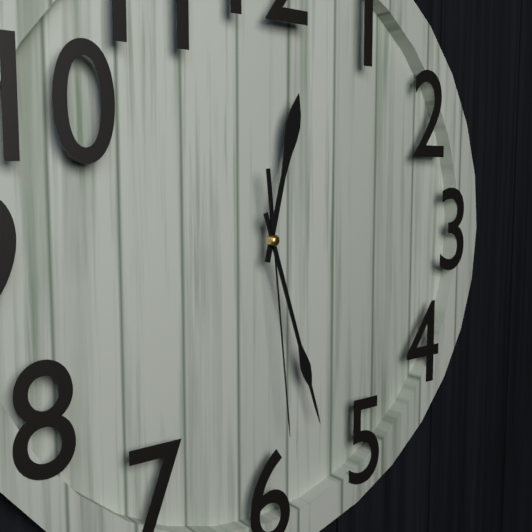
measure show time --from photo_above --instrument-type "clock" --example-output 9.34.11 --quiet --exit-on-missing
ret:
12.27.29
